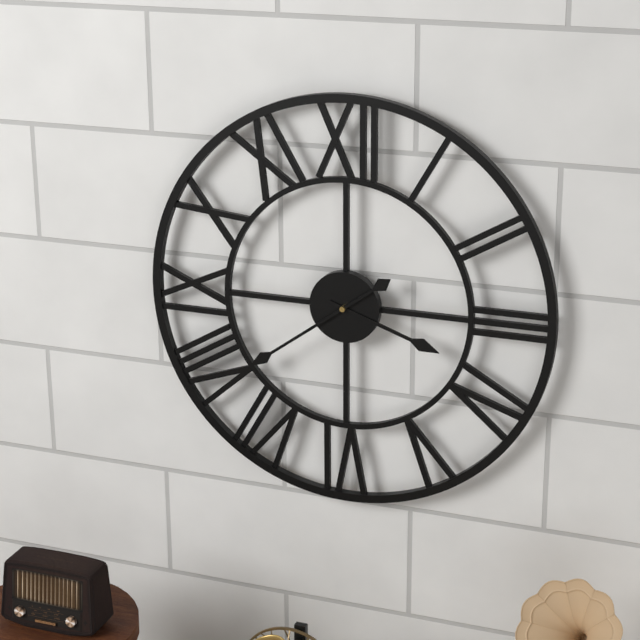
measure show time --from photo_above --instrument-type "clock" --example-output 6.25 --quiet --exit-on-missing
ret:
3.39
